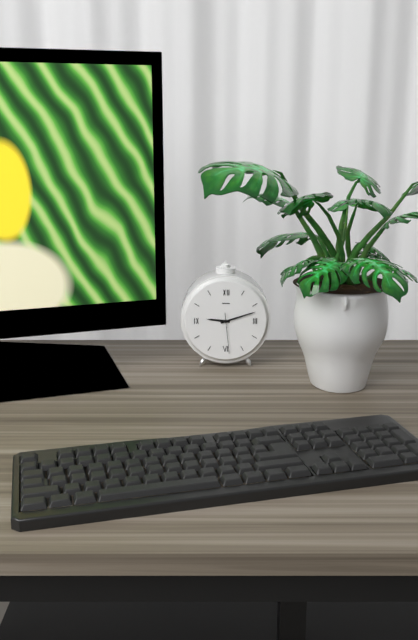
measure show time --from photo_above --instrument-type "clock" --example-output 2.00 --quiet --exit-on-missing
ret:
9.12
